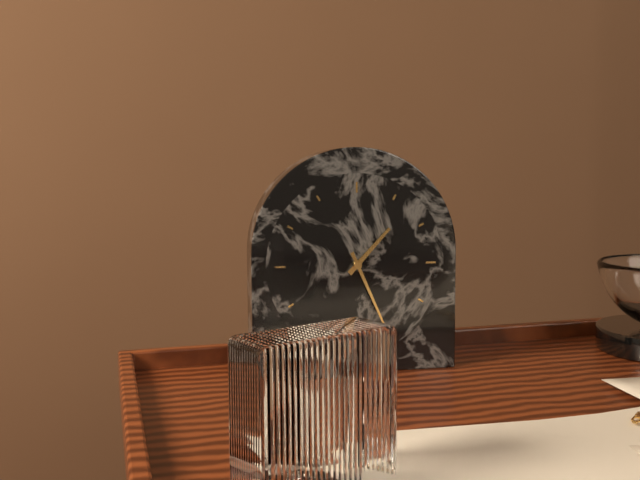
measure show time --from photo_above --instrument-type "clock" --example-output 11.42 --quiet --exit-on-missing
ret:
1.26
